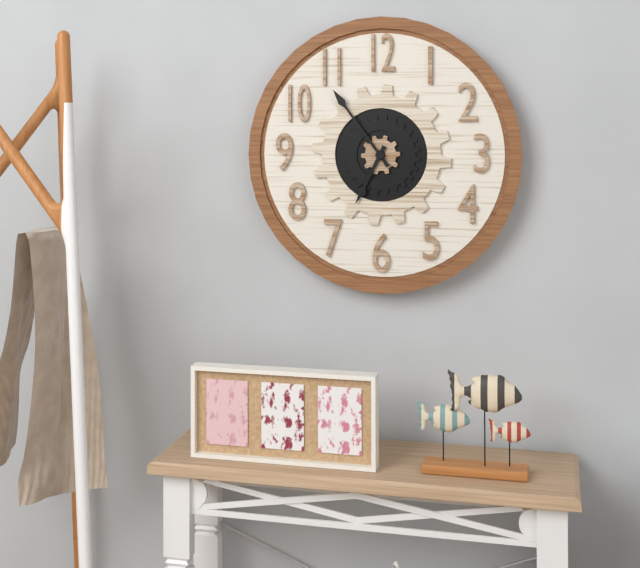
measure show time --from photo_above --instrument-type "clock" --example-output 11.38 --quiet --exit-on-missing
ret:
6.54
